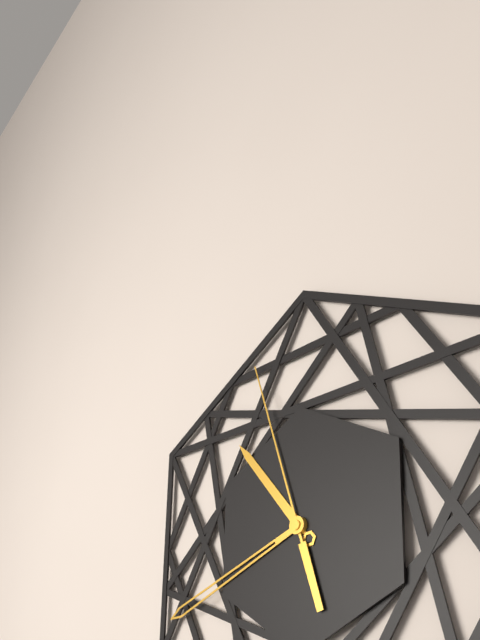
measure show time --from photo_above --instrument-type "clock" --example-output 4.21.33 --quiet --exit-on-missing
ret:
10.41.57
